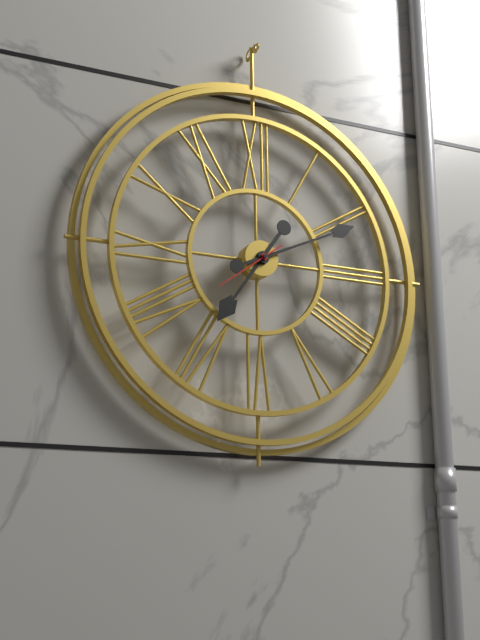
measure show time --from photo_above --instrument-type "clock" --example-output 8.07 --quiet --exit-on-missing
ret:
7.11
